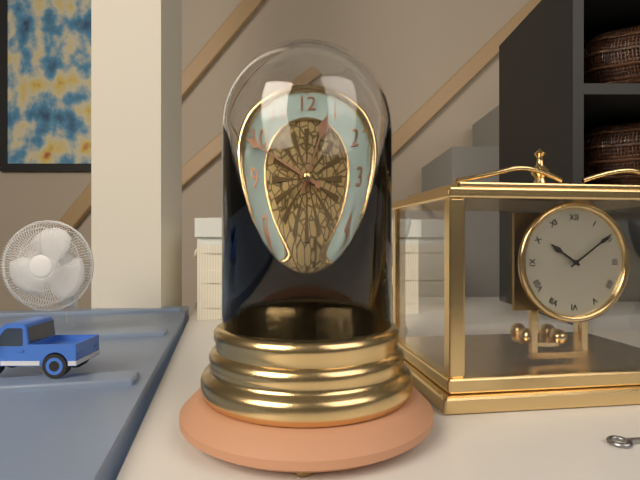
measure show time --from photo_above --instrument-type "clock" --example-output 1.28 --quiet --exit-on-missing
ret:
12.49
